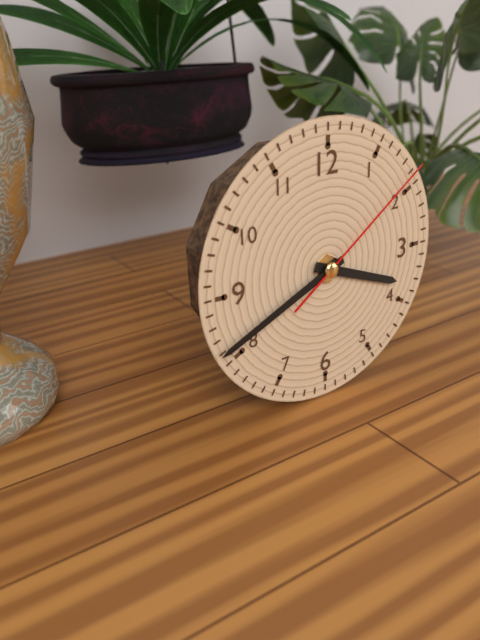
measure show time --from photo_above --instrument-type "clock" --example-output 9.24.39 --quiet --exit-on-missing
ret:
3.41.09
